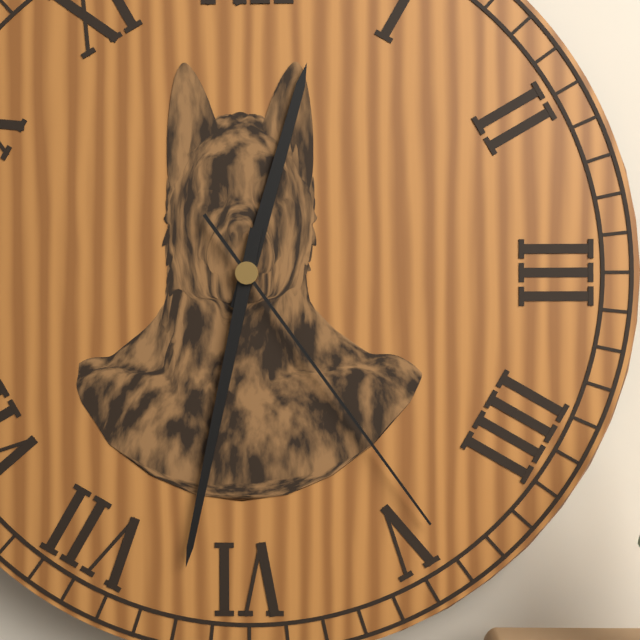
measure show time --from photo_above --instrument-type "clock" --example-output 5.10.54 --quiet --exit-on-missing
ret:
12.32.24
